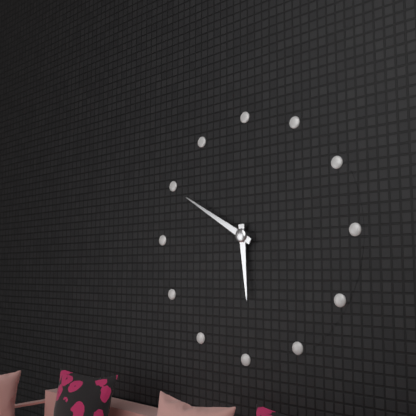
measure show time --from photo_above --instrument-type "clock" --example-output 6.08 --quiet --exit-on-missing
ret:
5.50
